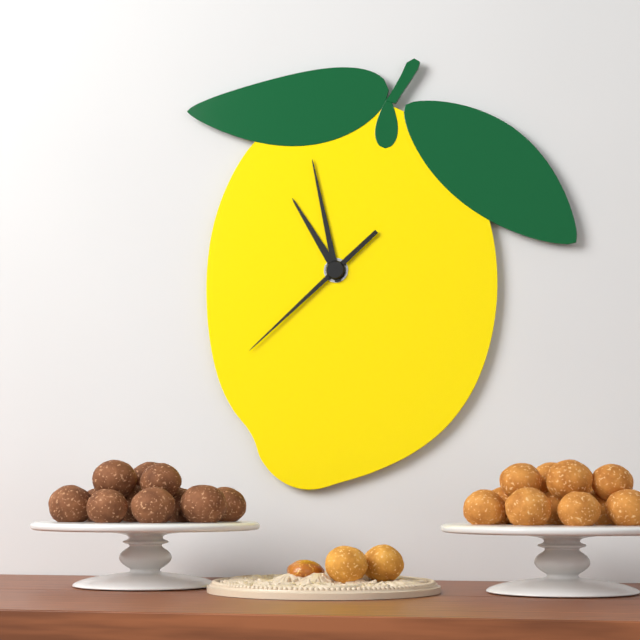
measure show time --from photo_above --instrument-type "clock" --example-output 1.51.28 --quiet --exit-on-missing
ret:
10.58.38
